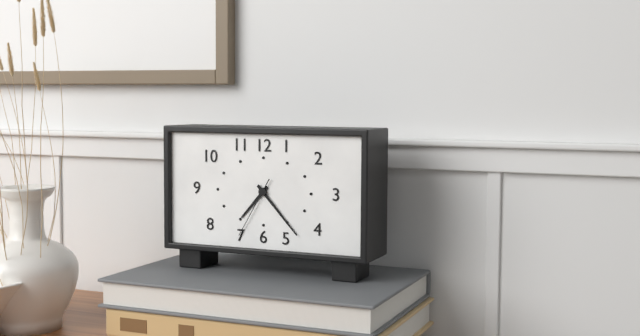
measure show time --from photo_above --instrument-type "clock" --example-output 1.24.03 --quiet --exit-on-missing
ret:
7.23.35
